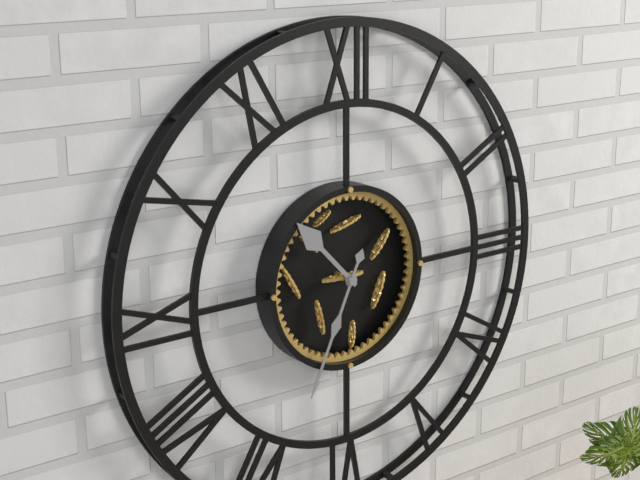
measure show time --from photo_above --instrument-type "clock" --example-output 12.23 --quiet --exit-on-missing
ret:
10.34
